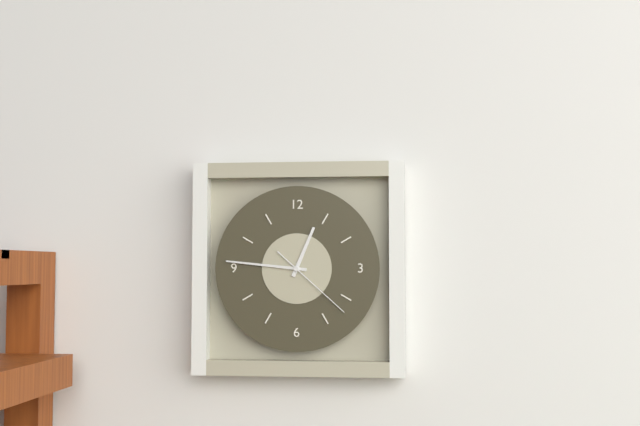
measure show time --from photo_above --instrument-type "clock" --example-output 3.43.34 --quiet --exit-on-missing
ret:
12.46.22
